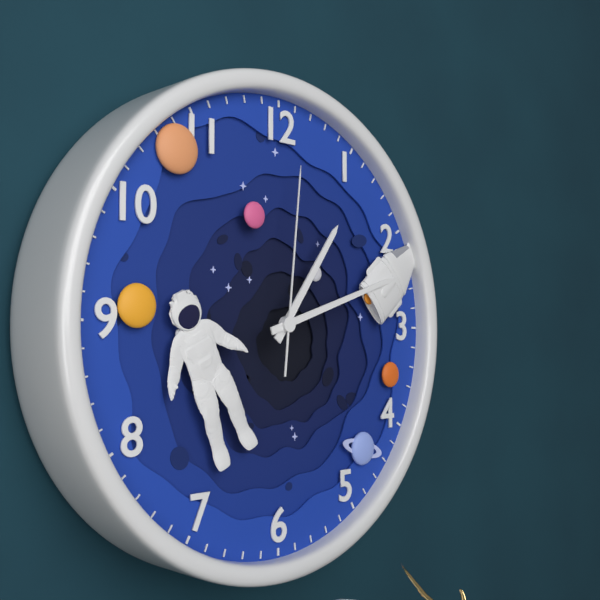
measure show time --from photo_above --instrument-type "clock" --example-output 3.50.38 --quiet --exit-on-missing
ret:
1.12.01
